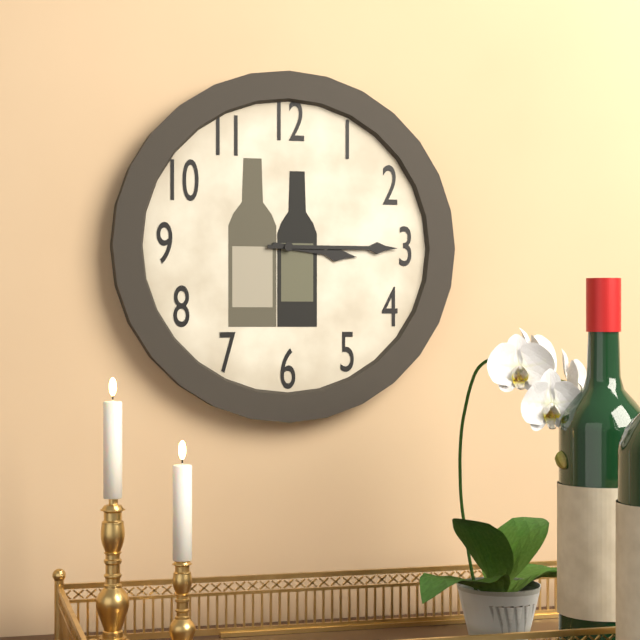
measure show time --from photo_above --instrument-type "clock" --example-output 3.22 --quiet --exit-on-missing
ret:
3.15
